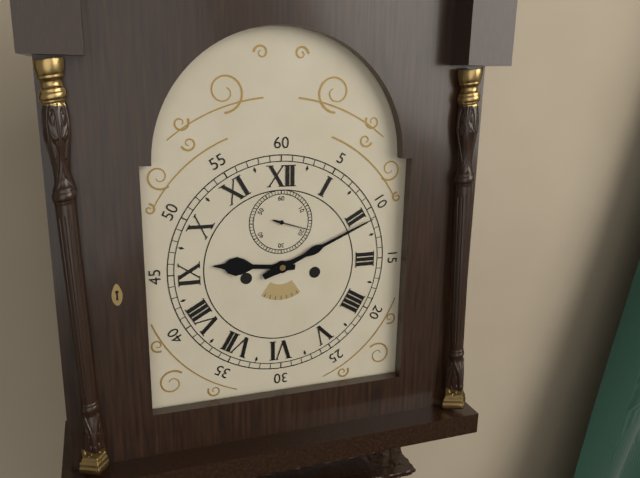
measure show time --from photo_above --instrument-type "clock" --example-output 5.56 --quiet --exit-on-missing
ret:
9.11
